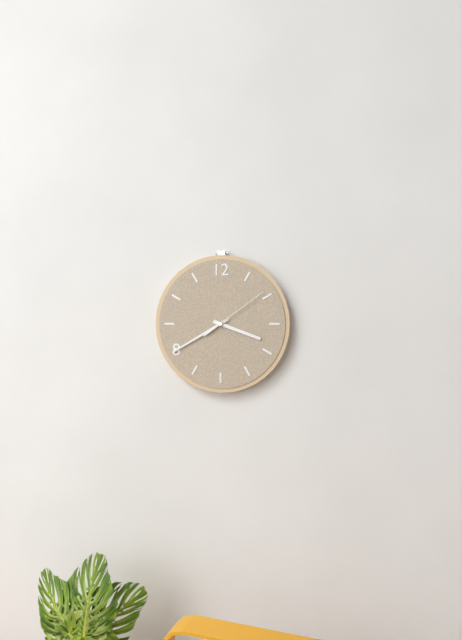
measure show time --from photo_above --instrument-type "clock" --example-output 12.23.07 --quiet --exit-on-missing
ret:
3.40.09
